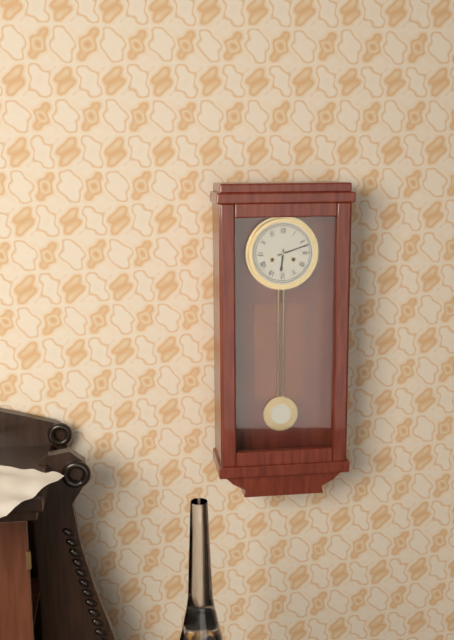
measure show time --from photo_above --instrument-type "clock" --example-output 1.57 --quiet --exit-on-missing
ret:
6.12
